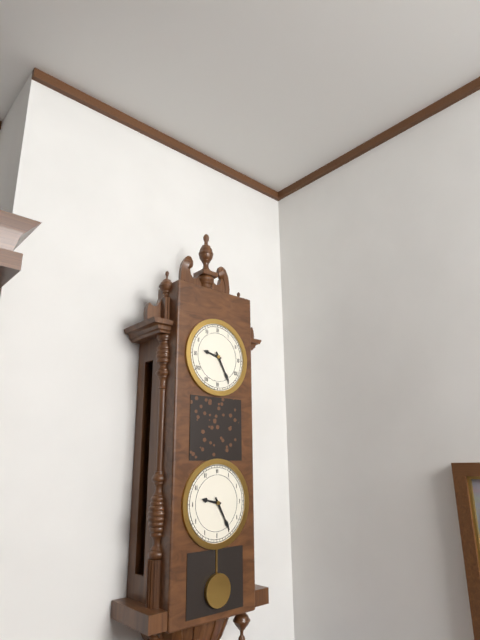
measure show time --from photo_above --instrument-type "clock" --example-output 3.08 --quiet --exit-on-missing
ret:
9.25
